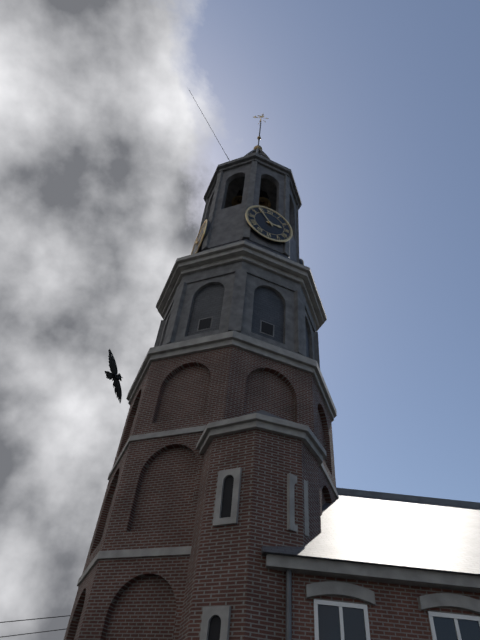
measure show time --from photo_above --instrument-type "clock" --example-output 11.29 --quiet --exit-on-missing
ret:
2.54
